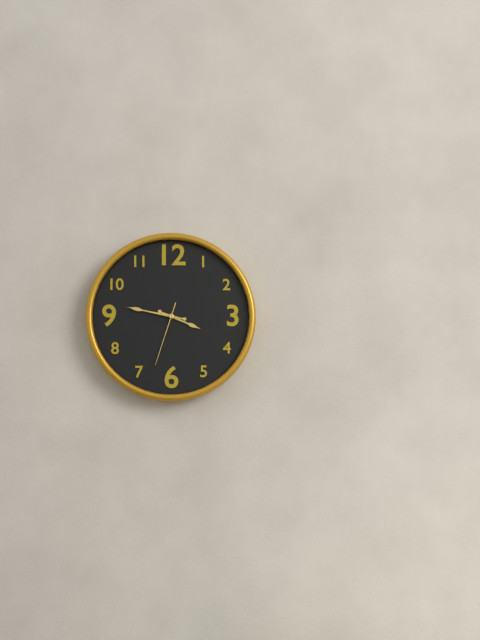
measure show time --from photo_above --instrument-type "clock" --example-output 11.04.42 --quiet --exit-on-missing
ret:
3.47.33
